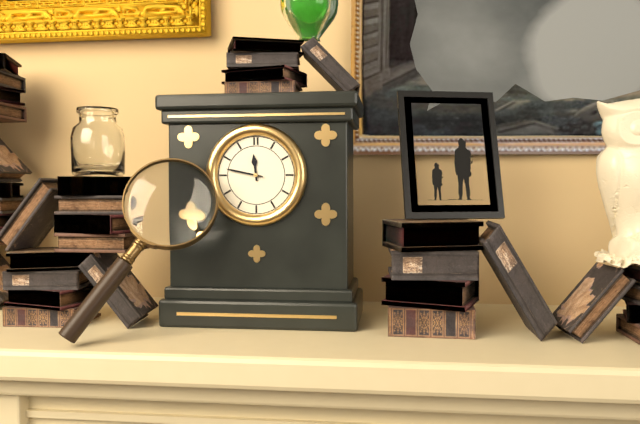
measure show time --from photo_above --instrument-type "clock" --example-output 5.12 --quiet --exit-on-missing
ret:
11.47
